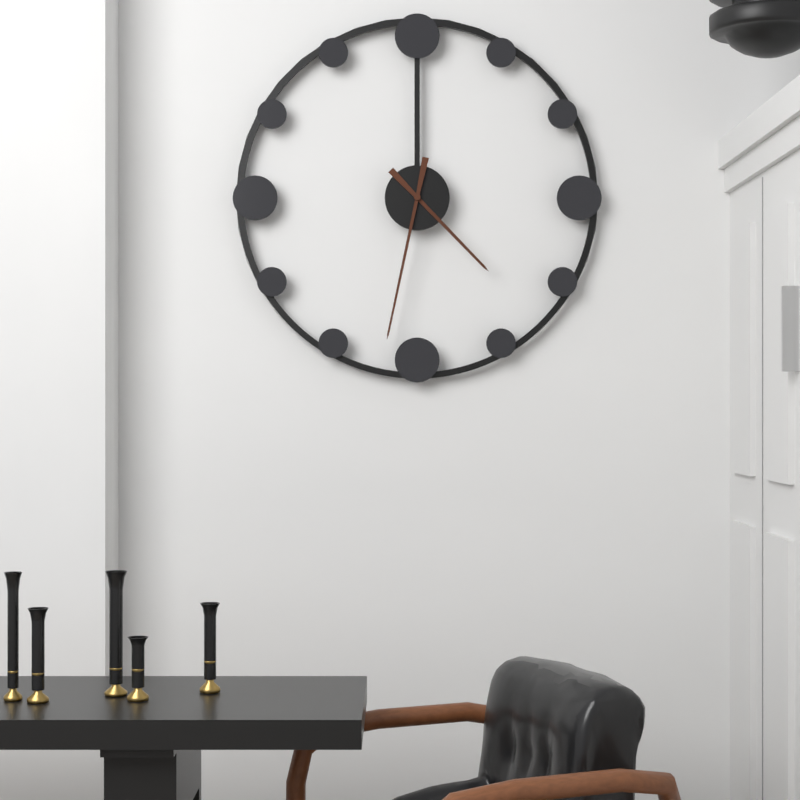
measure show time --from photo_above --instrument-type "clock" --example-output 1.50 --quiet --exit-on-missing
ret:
4.32
